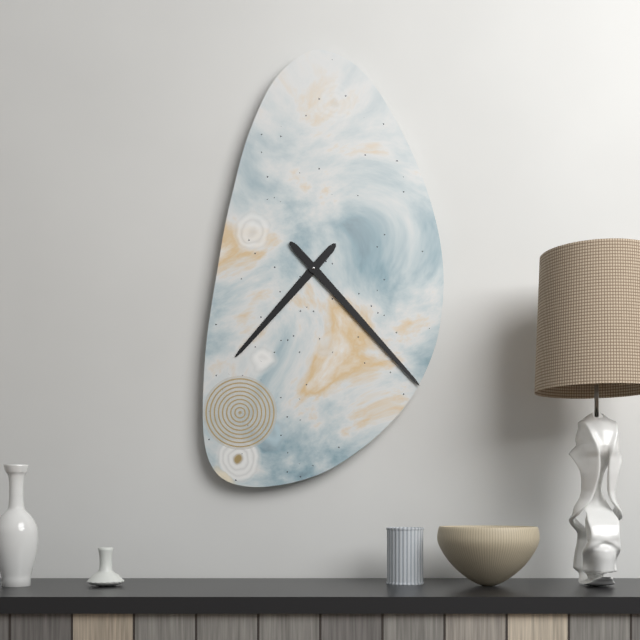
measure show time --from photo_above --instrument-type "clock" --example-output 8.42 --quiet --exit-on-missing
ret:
7.23
